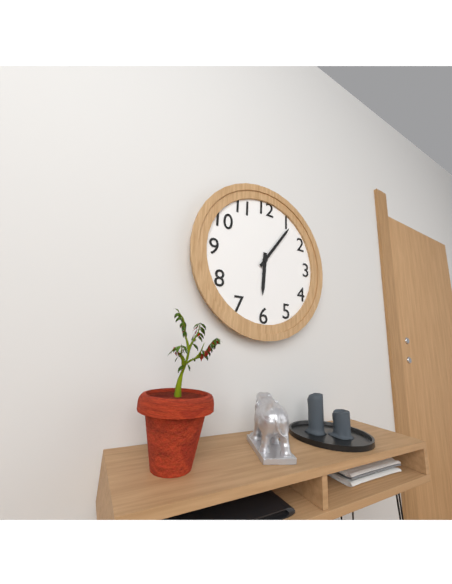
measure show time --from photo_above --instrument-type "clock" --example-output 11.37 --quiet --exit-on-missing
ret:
6.06
